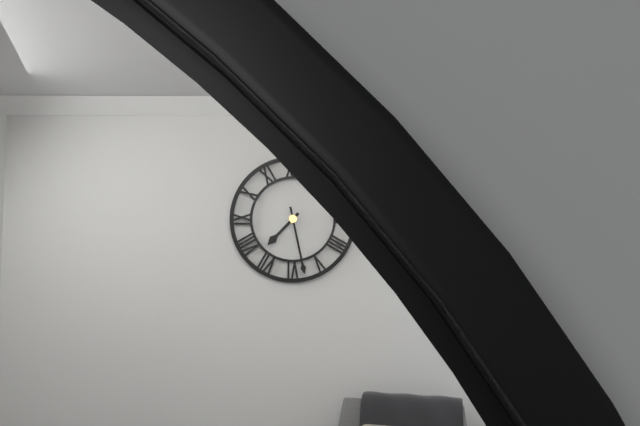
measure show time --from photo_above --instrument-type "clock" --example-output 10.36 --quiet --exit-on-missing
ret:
7.28
